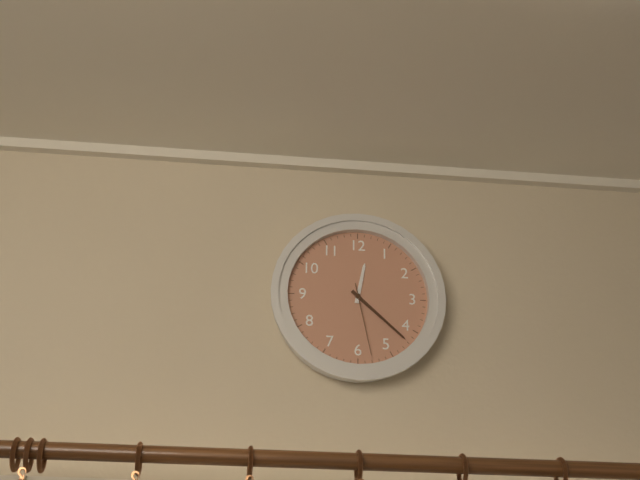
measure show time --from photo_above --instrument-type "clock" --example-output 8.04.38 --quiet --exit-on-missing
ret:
12.22.28
